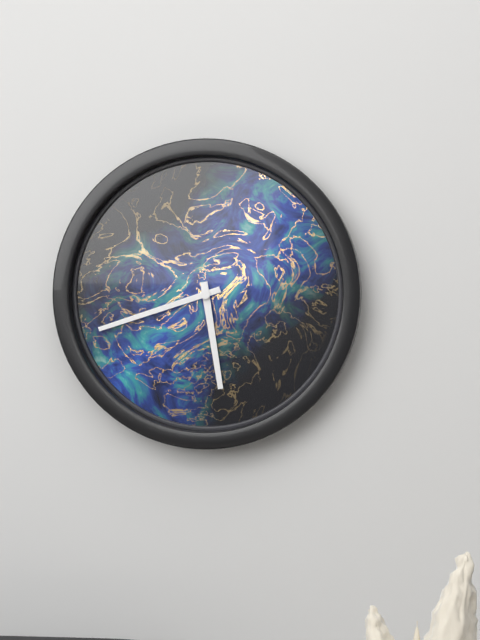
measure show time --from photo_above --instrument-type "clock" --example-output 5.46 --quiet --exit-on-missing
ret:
5.42
